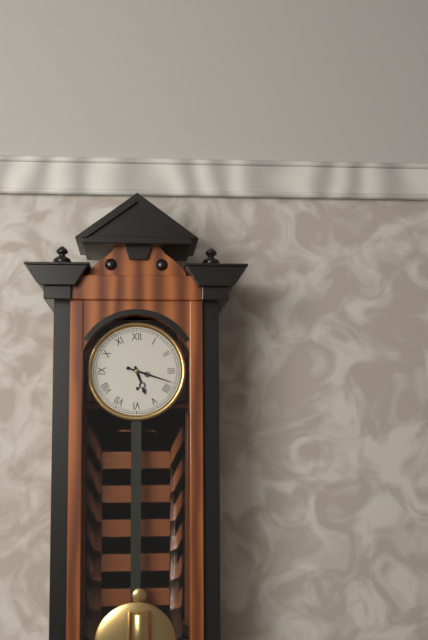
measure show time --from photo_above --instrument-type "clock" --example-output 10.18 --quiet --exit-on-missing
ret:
5.18
